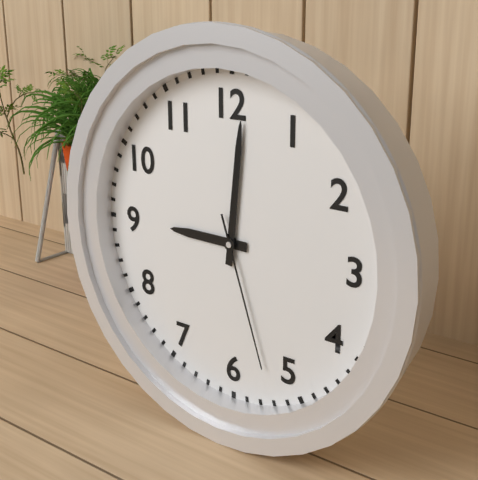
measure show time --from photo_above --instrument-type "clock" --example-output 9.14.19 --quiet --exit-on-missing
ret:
9.01.27
